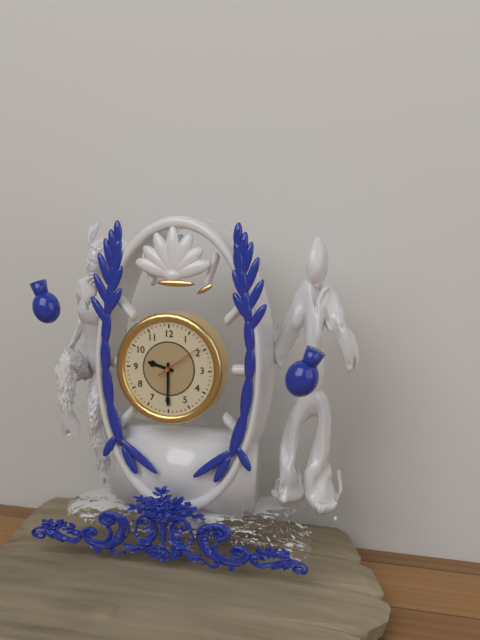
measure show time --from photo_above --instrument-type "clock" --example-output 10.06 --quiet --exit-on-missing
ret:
9.30
